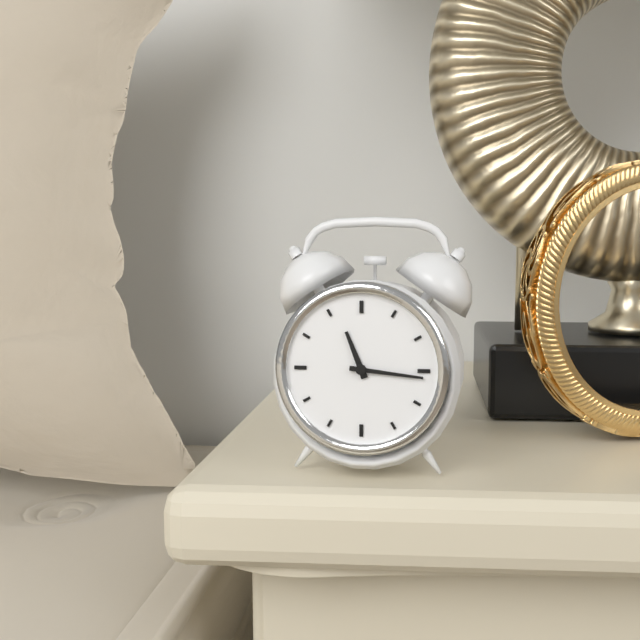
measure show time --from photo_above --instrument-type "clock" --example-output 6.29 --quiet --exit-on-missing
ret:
11.16
